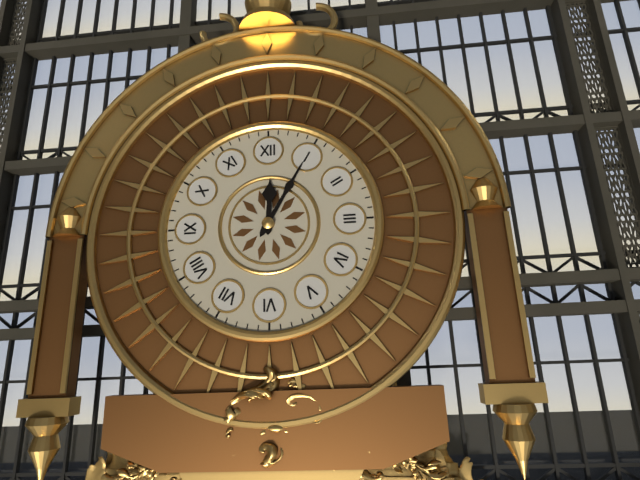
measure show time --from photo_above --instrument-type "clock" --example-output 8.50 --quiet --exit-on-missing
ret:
12.05
